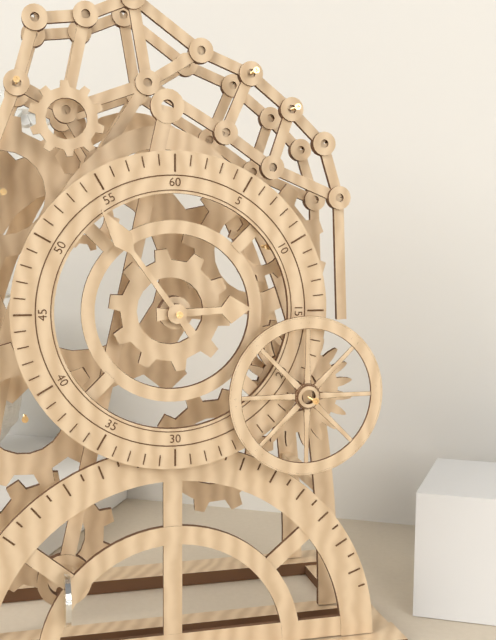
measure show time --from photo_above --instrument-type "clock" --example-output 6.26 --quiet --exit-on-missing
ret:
2.54
